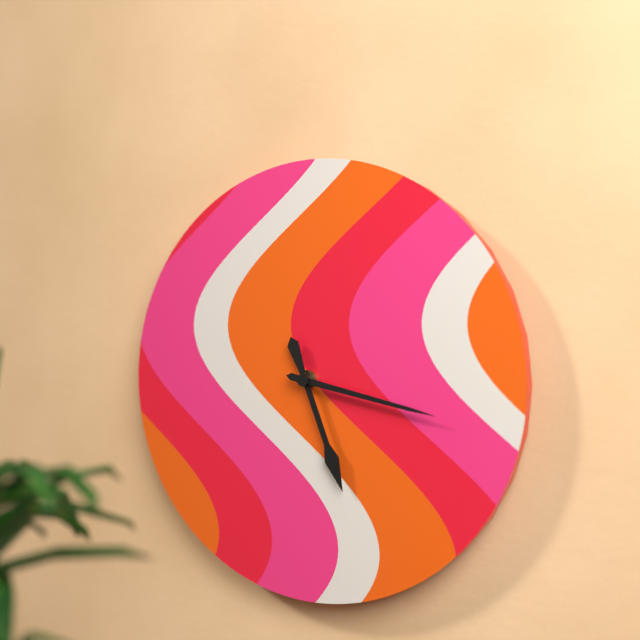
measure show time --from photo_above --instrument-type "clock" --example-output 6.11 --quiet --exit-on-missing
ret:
5.17
